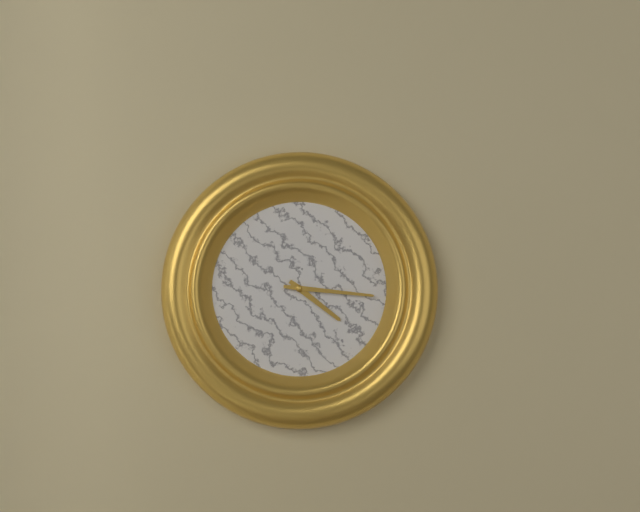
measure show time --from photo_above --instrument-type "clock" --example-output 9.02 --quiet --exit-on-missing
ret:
4.16
